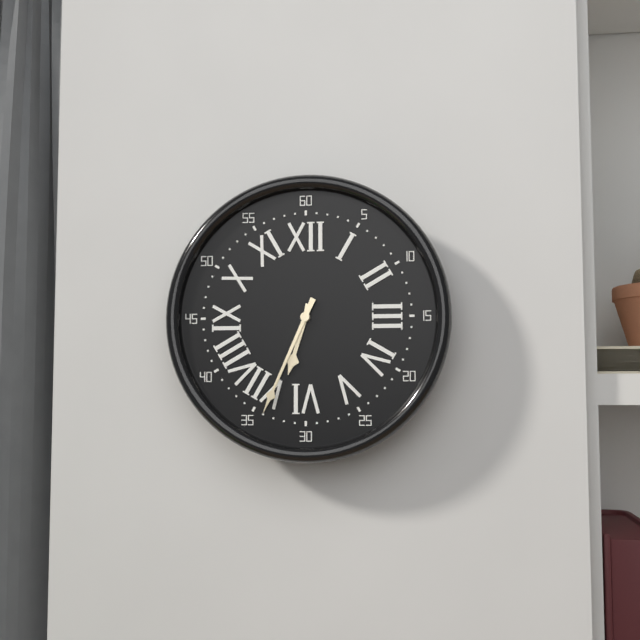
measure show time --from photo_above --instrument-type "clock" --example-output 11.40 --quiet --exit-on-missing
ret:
6.34
